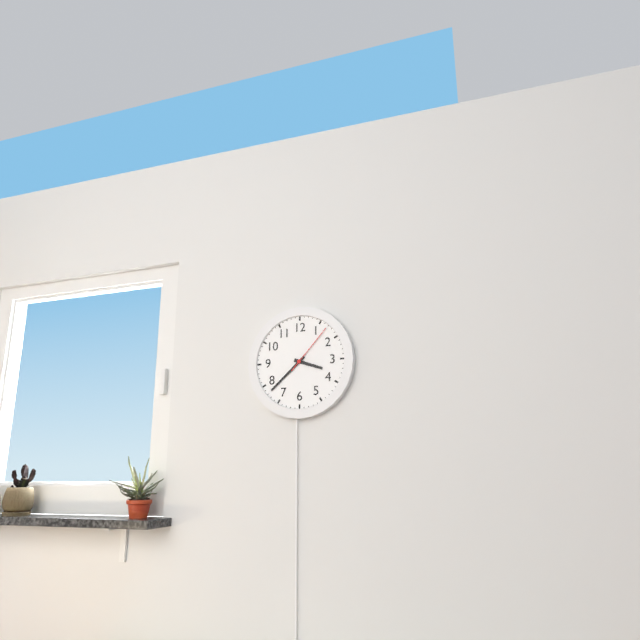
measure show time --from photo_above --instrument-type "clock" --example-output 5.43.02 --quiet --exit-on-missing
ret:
3.38.07
